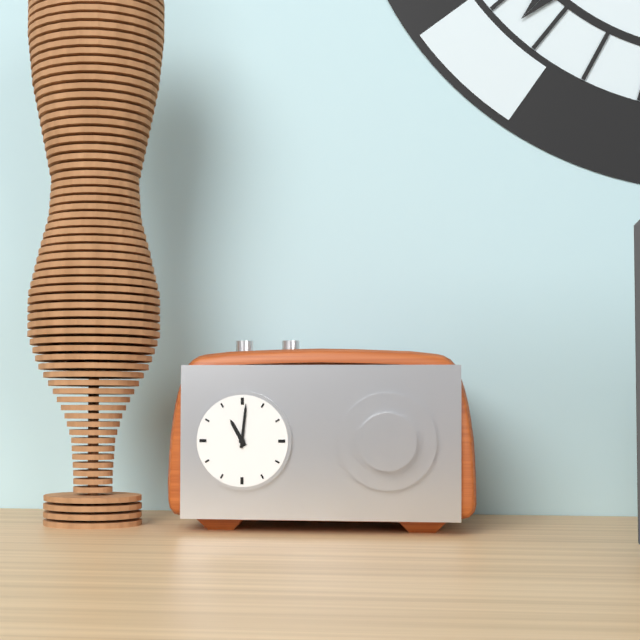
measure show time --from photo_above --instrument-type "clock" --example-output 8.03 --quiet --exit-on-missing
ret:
11.01
